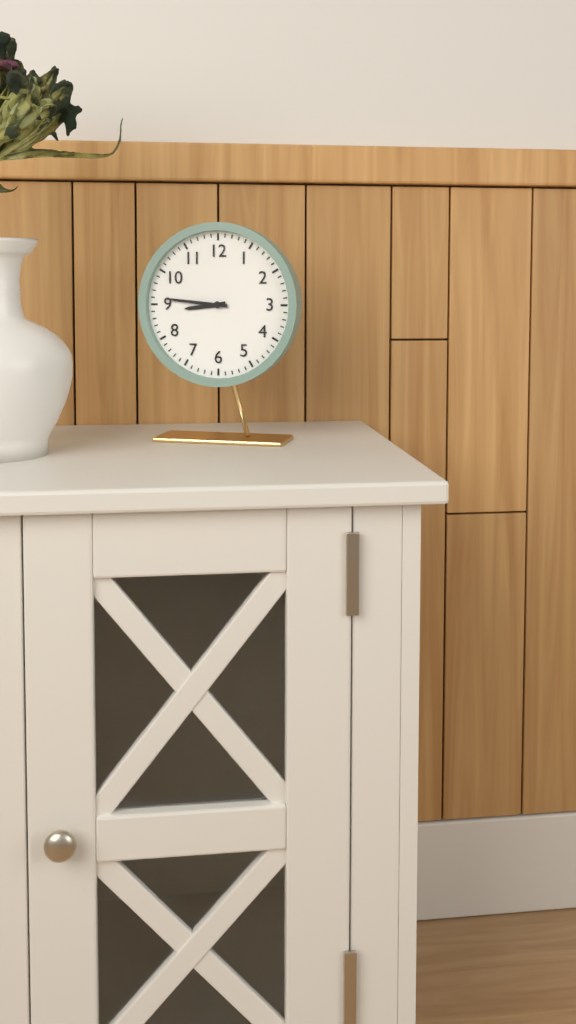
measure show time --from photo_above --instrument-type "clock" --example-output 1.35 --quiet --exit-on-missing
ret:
8.46
